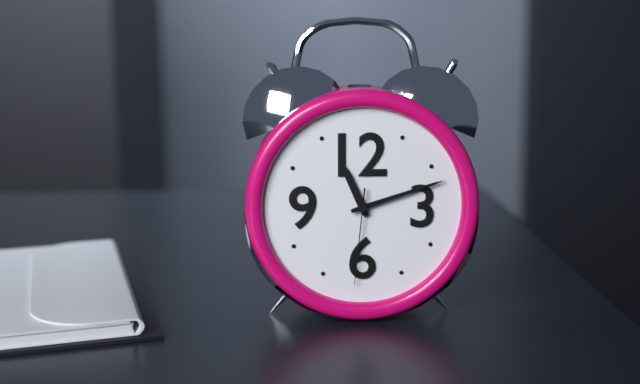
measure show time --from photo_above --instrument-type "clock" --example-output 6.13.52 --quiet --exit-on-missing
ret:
11.12.31
